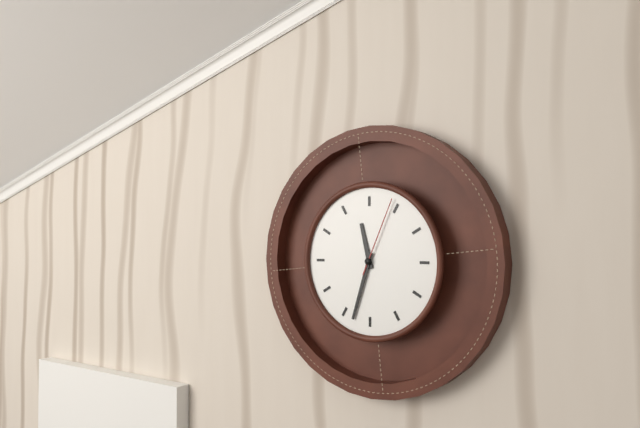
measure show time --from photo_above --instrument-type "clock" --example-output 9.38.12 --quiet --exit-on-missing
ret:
11.33.04
